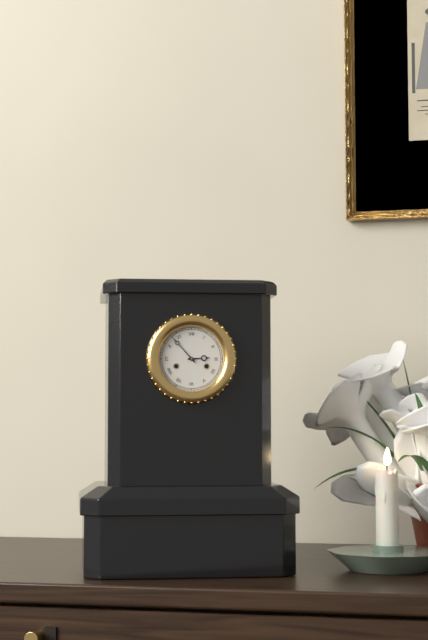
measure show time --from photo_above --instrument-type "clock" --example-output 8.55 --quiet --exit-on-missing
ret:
2.53
